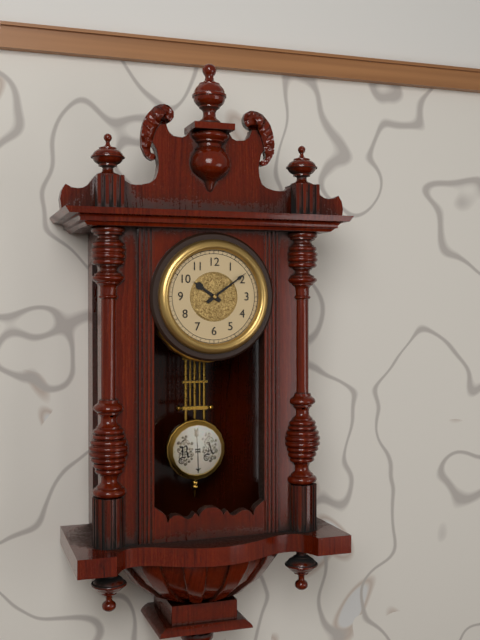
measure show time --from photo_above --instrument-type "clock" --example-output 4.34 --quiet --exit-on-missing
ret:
10.09
